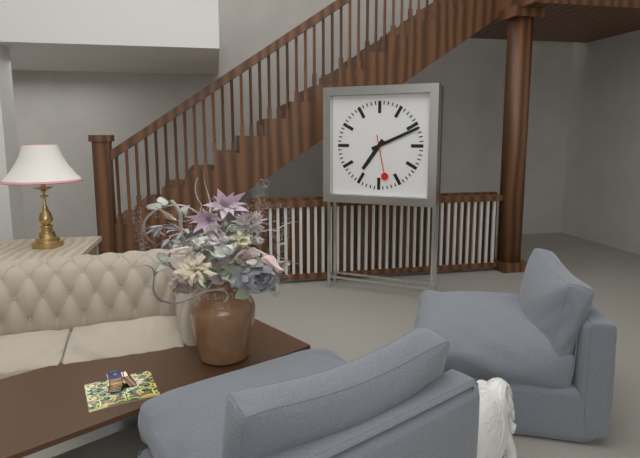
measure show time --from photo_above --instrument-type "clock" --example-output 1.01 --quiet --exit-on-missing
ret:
7.11
